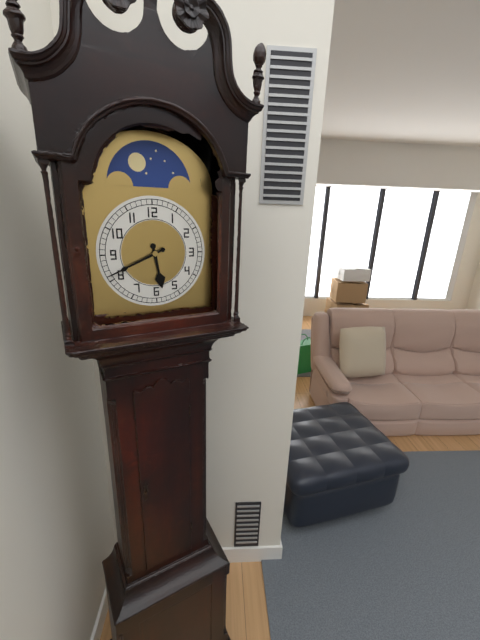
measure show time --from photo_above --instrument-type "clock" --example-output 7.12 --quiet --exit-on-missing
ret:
5.41
